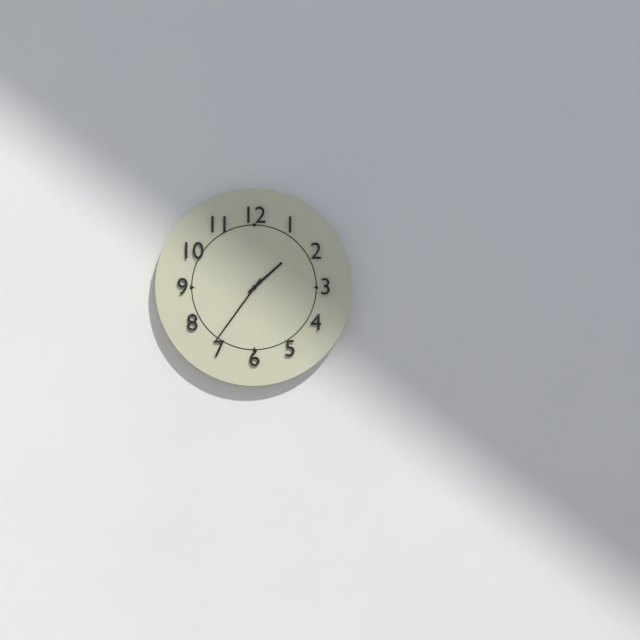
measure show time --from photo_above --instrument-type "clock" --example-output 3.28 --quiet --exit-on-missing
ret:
1.36
